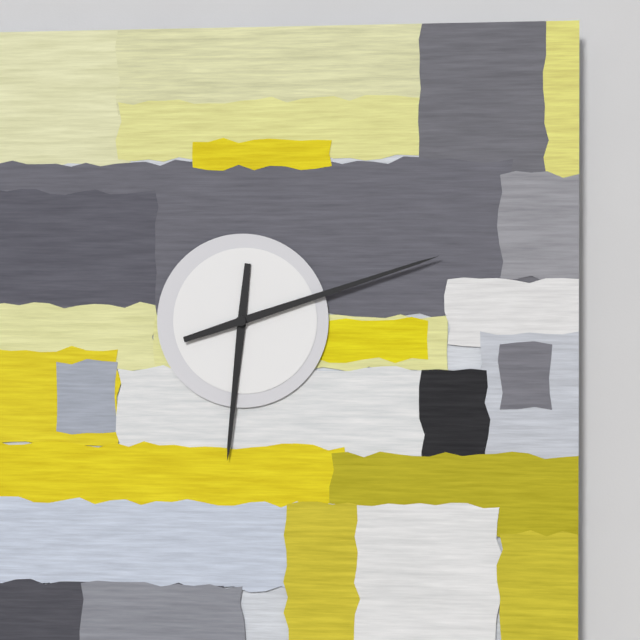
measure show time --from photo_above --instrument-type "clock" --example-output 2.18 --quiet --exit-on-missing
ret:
6.12
